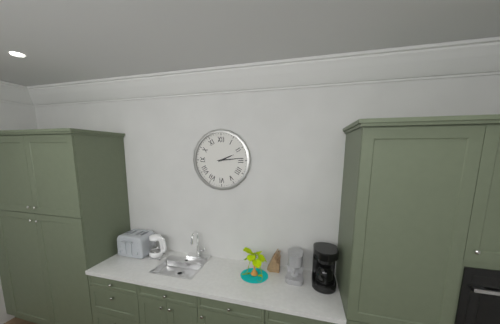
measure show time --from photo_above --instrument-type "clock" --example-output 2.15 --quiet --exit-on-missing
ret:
2.14
